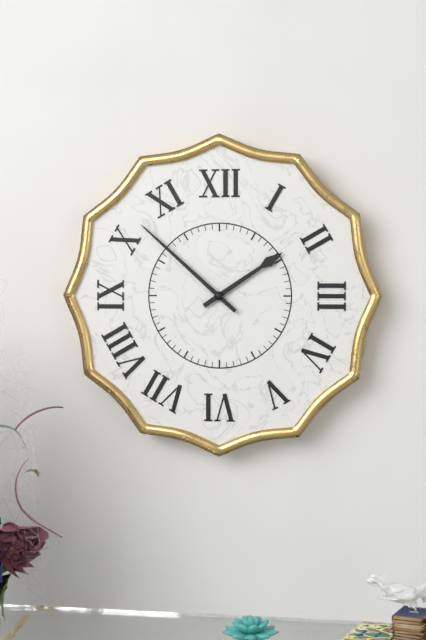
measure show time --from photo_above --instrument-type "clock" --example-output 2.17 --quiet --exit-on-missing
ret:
1.52
